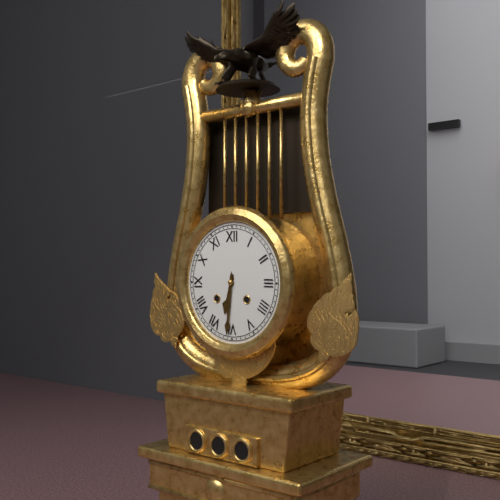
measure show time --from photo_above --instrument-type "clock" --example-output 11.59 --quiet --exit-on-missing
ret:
6.31
